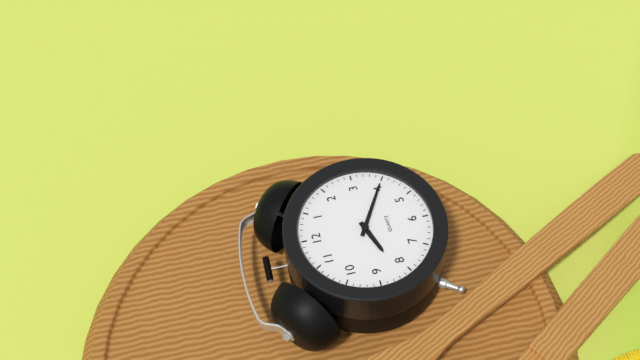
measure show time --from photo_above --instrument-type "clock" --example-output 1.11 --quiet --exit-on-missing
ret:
8.20
